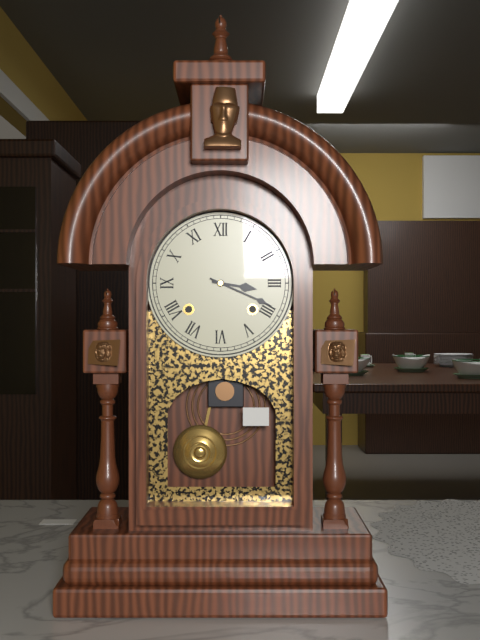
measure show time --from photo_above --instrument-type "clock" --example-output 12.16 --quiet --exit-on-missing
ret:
3.19
